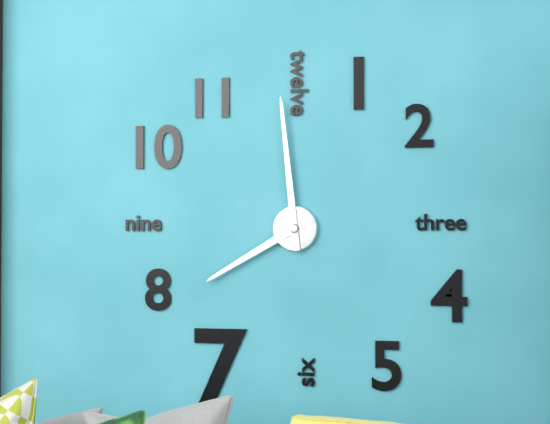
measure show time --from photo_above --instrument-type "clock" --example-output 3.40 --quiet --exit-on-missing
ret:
7.59
